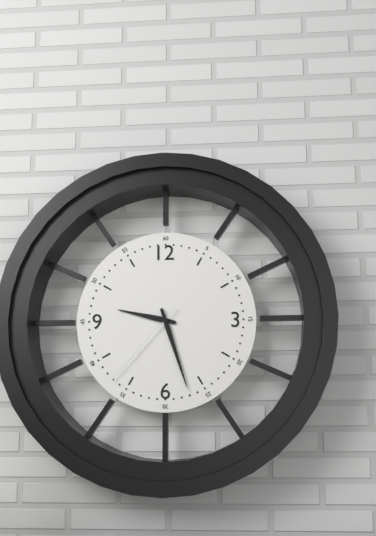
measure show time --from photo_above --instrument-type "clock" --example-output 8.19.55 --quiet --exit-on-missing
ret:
9.27.37
